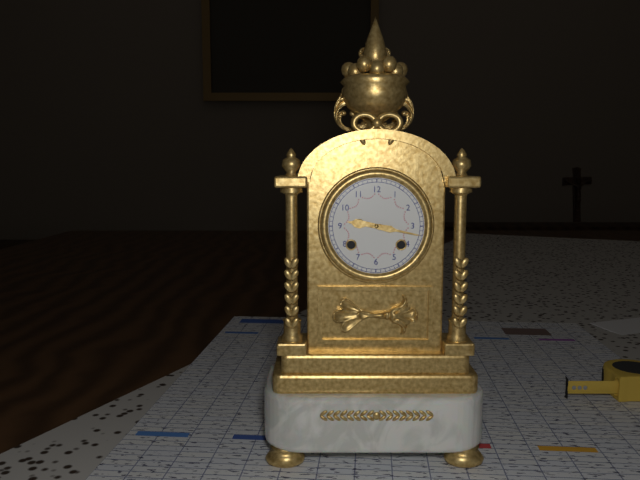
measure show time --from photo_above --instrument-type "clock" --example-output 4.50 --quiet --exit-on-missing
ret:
9.17
